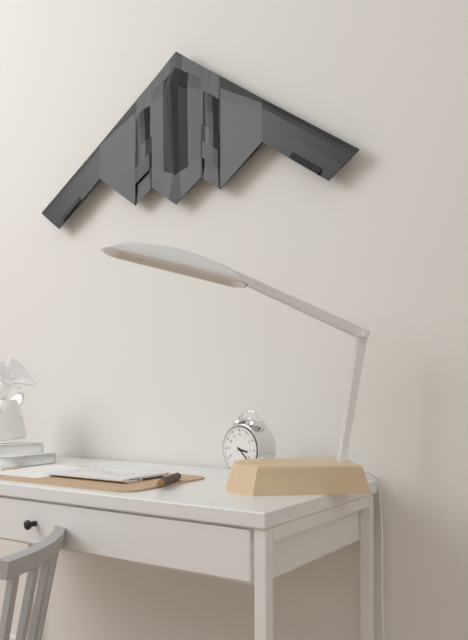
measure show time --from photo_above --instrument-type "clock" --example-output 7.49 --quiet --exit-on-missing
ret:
3.22
